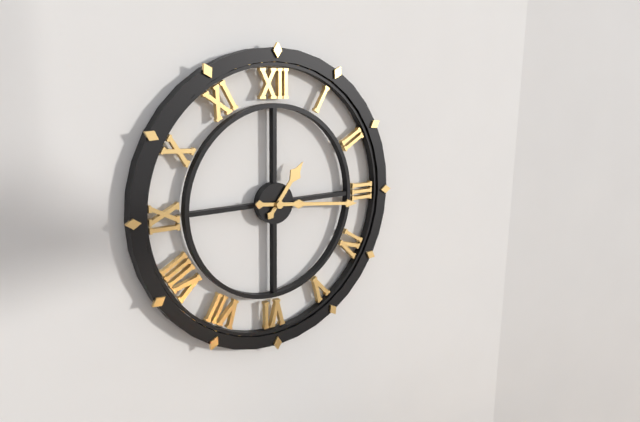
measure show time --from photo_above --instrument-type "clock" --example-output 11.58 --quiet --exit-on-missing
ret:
1.16
